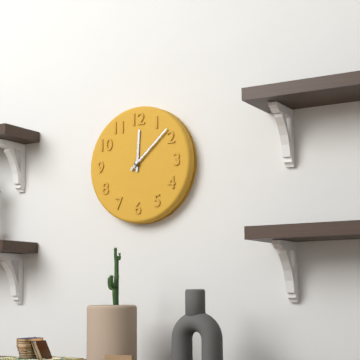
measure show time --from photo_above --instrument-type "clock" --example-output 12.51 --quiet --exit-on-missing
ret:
12.08
